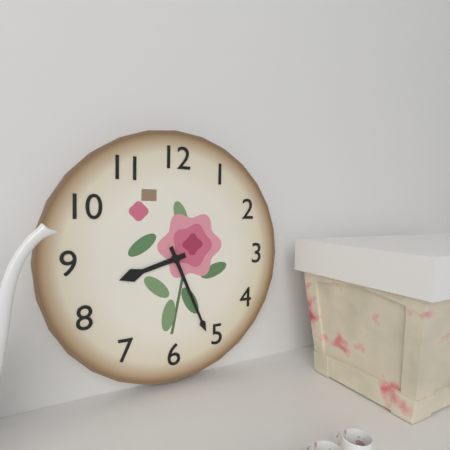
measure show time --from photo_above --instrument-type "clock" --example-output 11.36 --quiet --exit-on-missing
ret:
8.26
